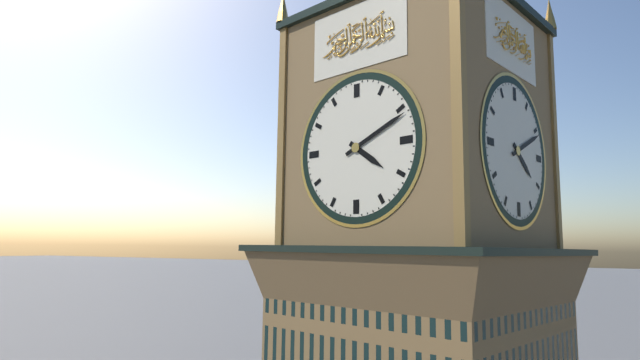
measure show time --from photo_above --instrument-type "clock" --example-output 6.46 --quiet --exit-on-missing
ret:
4.11
